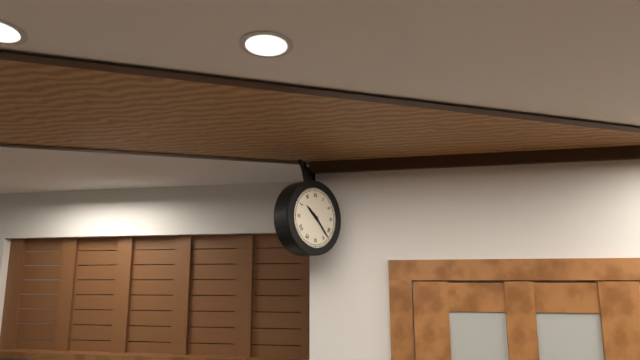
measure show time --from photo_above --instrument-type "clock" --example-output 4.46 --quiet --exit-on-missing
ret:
10.23
